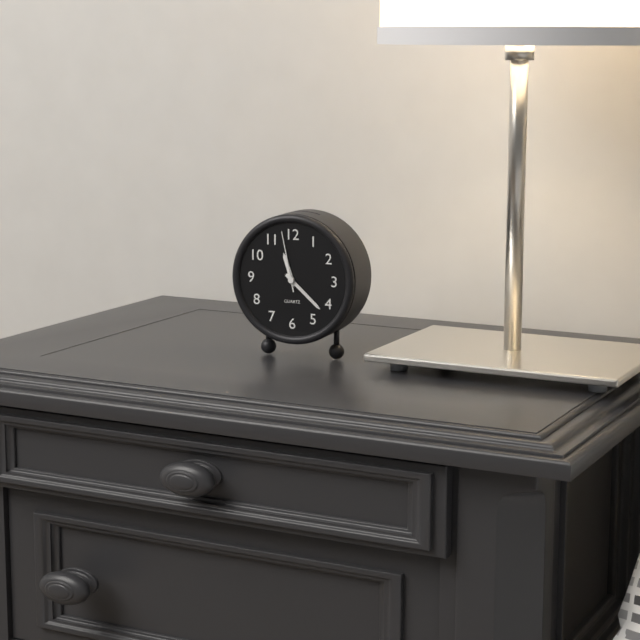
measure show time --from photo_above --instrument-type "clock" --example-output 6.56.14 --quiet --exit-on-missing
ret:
11.22.58
